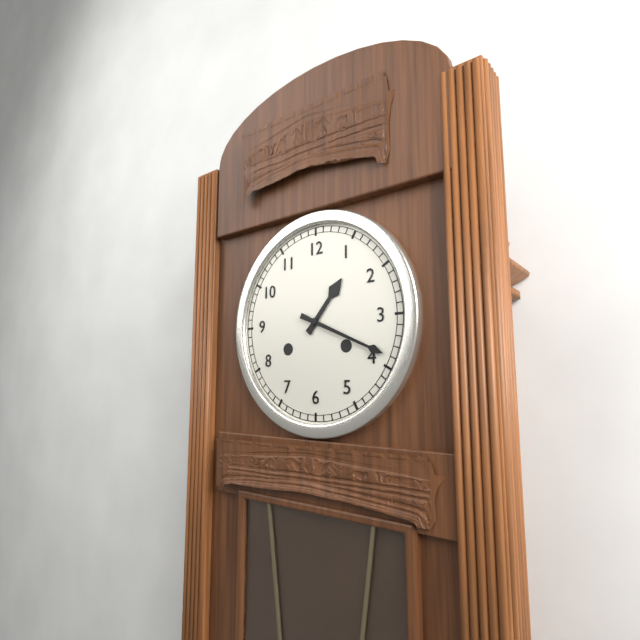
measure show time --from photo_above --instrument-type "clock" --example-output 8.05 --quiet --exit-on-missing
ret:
1.19
